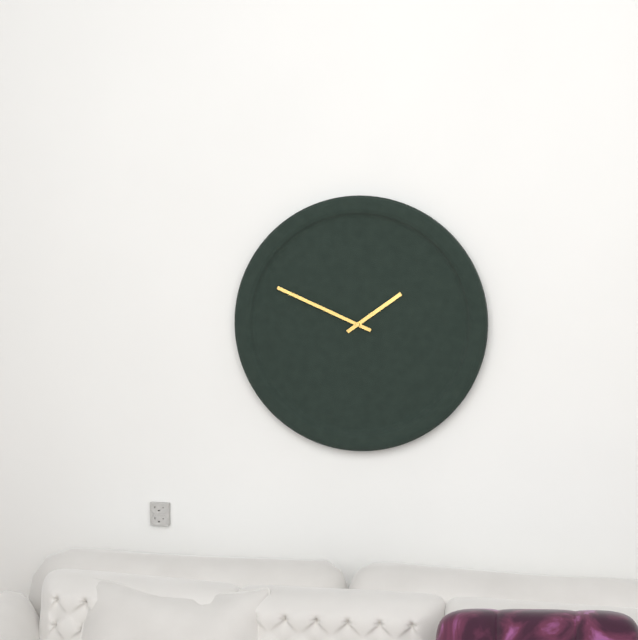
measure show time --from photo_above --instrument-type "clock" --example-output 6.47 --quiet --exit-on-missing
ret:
1.49
